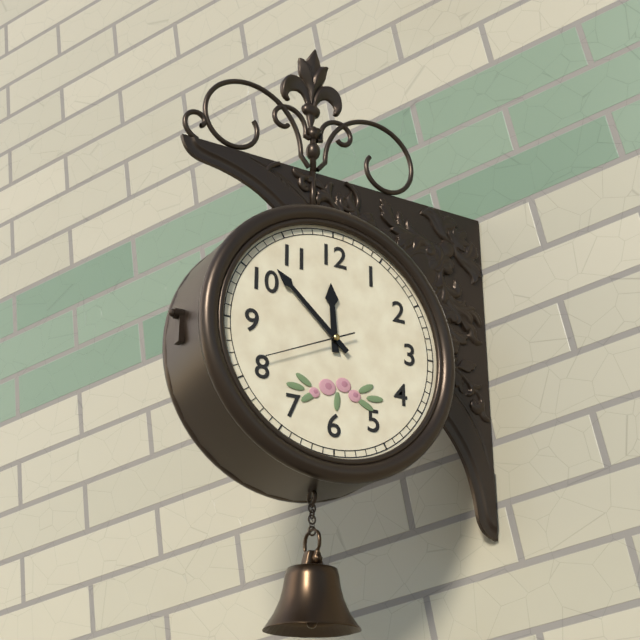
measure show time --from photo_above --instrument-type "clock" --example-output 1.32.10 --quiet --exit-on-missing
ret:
11.52.41
